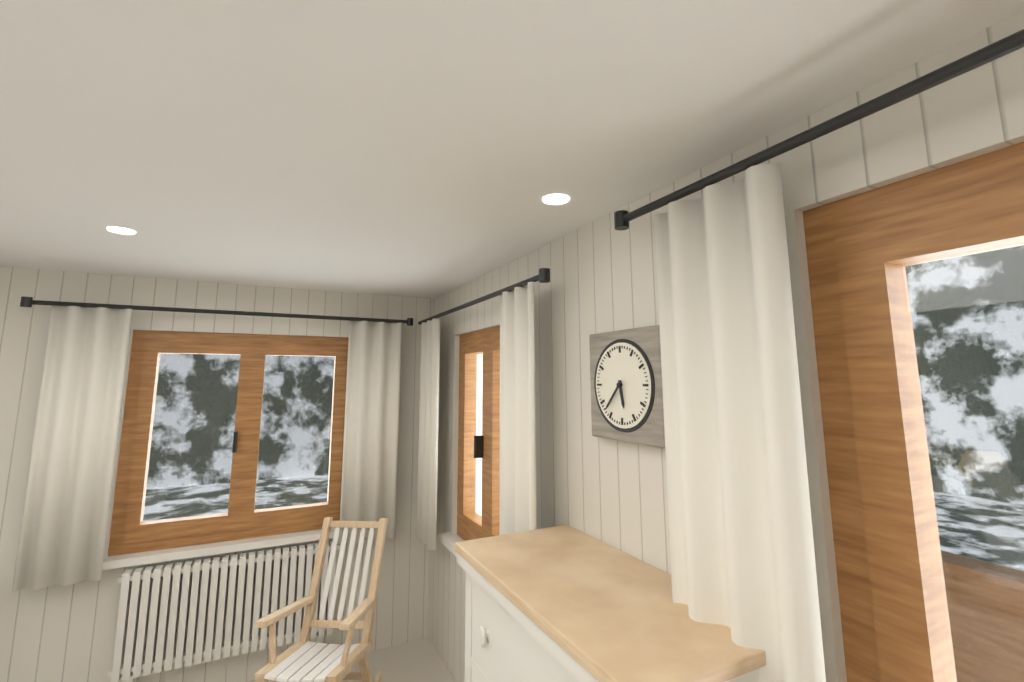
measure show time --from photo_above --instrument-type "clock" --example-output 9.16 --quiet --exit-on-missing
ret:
5.37
